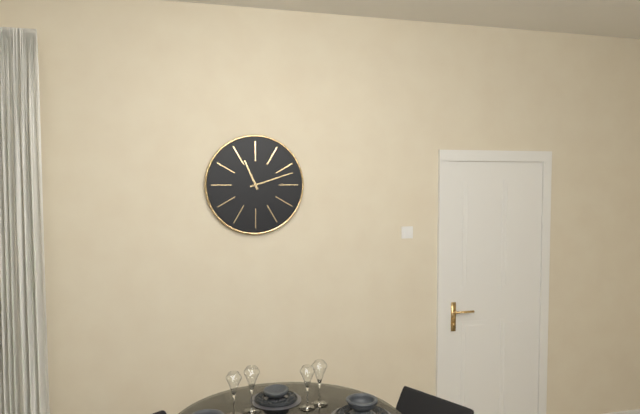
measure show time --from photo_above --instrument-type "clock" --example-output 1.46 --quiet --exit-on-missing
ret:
11.12
